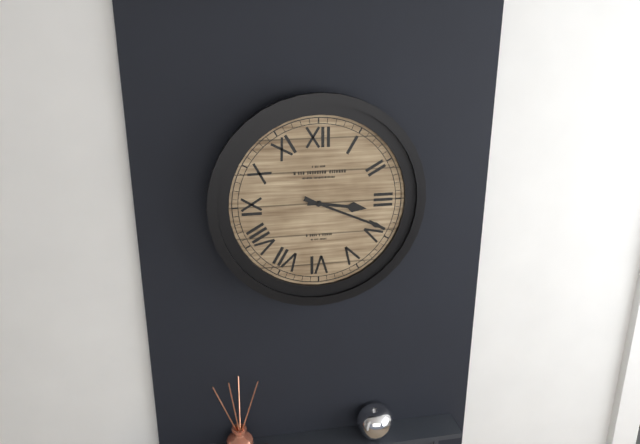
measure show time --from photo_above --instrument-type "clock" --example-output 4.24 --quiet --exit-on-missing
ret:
3.19
